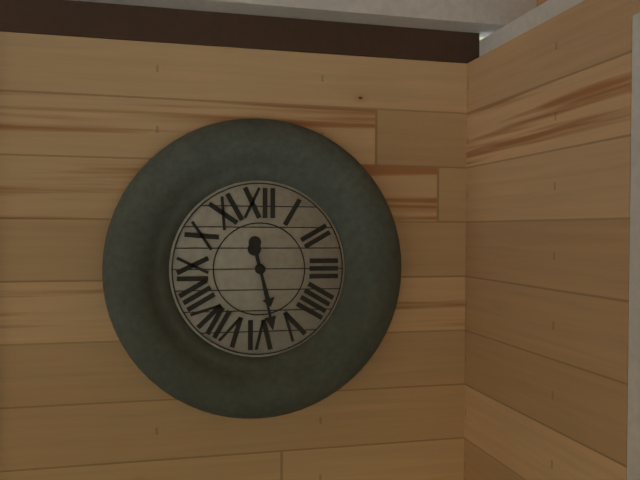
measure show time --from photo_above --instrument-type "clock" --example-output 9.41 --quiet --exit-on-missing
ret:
5.28
